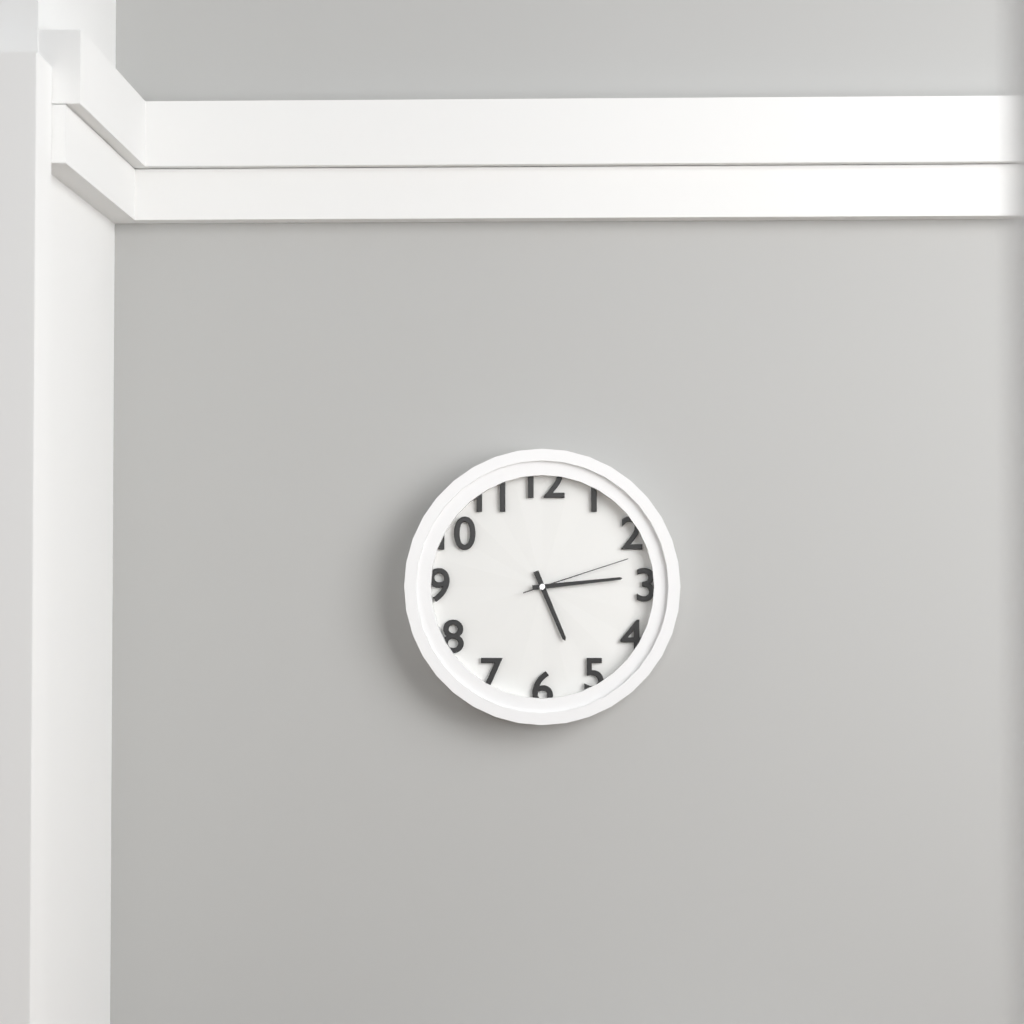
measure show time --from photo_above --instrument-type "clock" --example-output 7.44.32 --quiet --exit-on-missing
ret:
5.14.12
